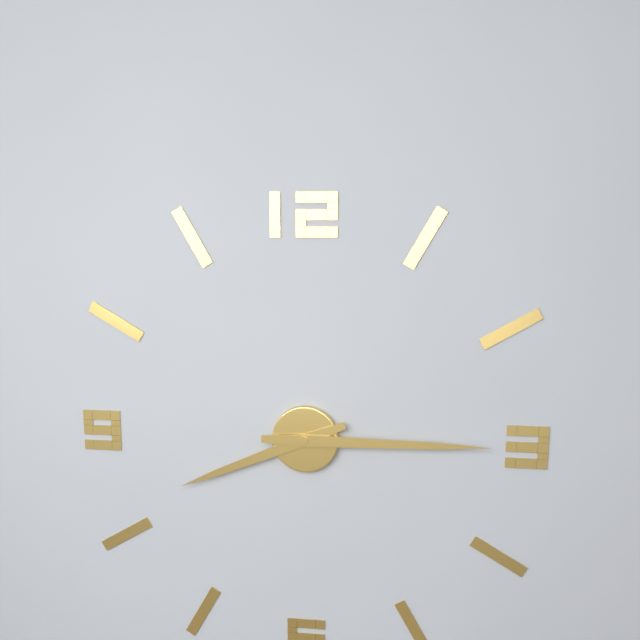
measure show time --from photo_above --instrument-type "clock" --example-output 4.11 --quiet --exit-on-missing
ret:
8.15
